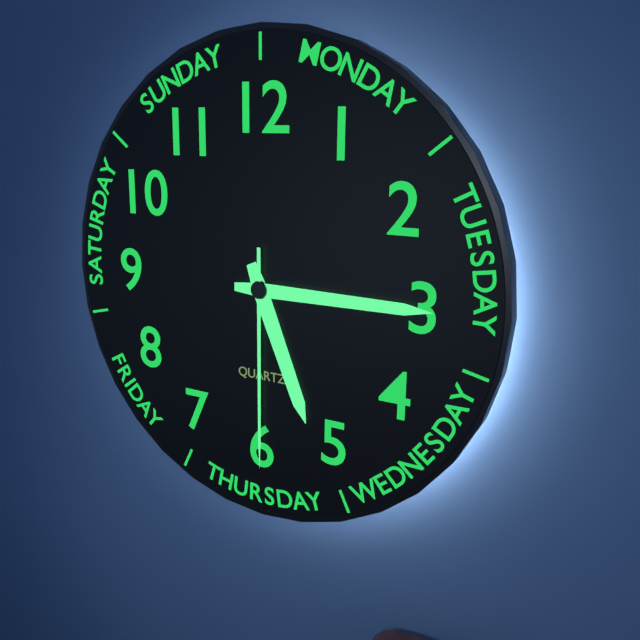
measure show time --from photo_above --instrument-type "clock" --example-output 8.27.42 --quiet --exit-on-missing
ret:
5.15.30
